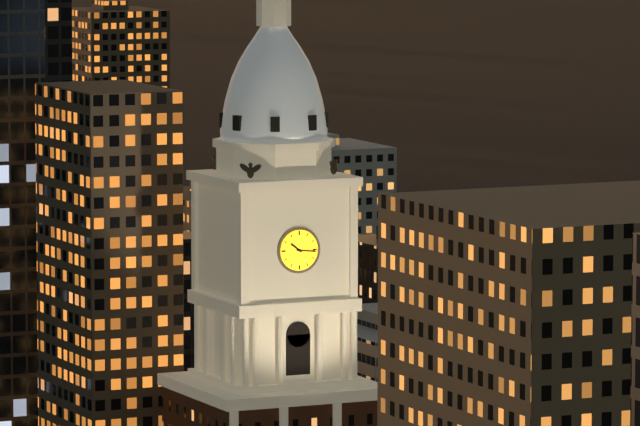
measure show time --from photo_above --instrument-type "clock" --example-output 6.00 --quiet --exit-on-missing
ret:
10.16
